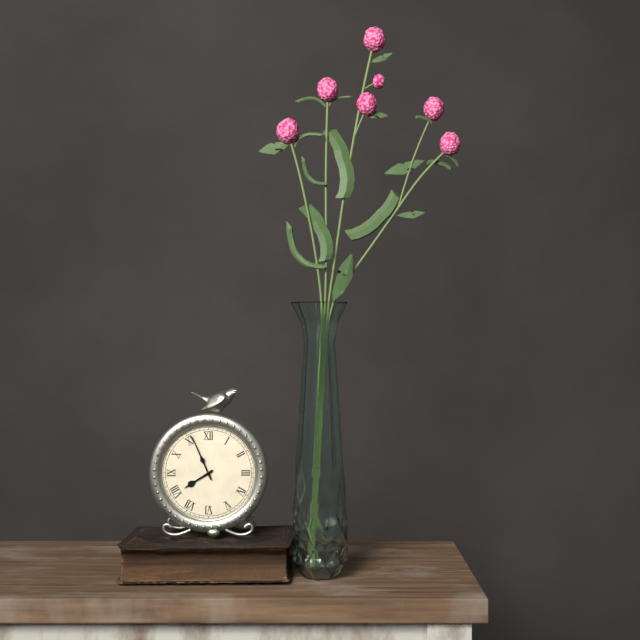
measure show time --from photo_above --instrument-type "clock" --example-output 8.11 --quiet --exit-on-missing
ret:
7.56
